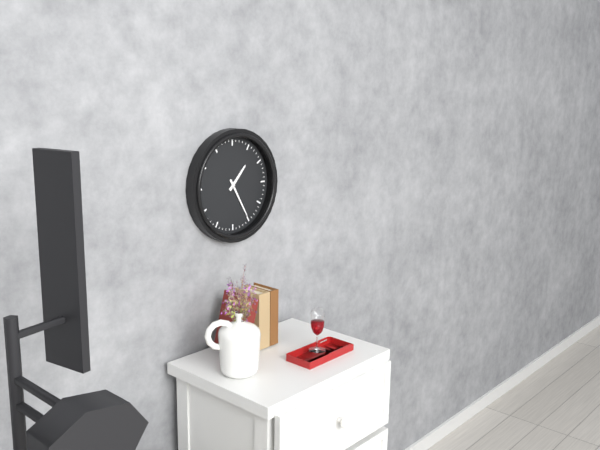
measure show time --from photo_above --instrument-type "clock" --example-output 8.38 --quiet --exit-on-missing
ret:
1.25
